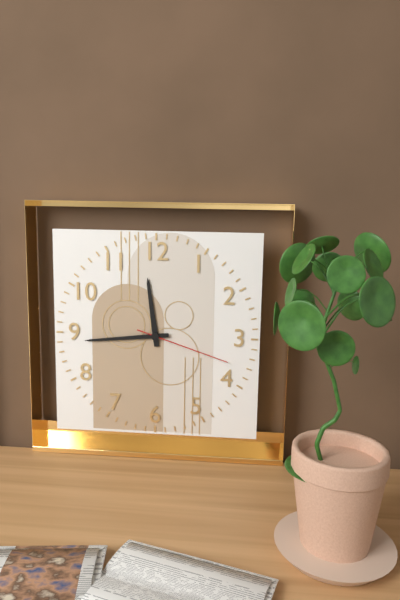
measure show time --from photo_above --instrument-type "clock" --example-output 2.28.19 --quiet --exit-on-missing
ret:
11.44.18
